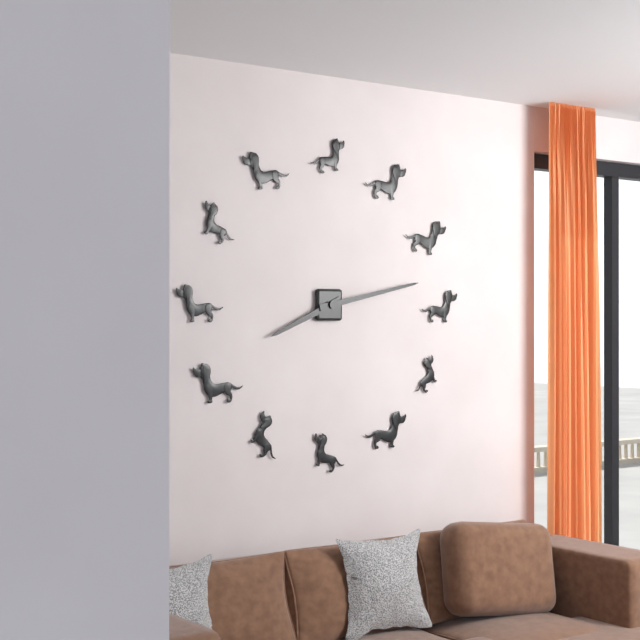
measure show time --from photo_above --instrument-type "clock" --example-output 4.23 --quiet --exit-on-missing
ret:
8.13
